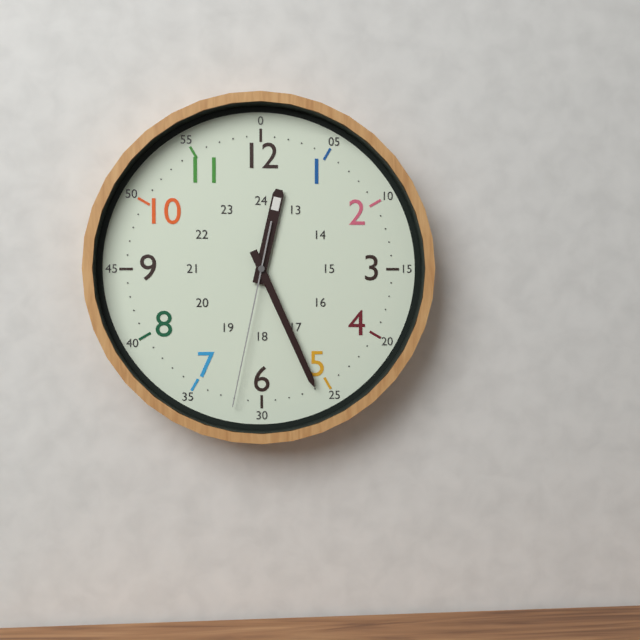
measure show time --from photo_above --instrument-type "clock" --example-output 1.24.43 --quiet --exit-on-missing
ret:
12.26.32
